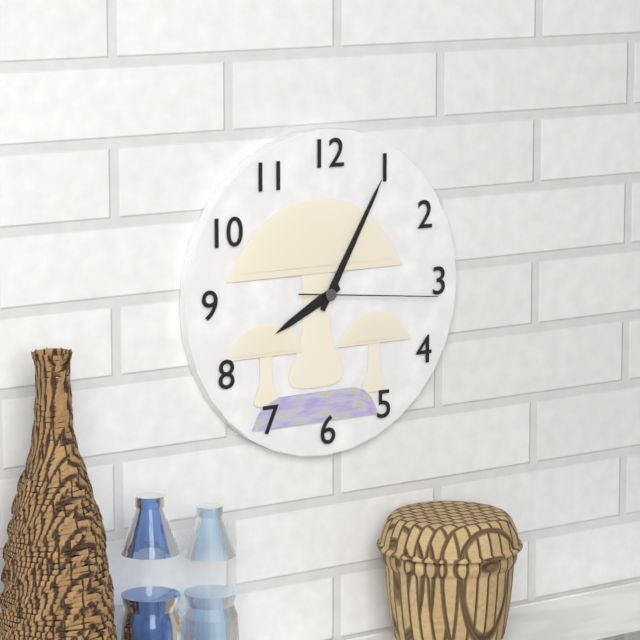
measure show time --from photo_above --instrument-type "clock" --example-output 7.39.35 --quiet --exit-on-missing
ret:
8.05.16
